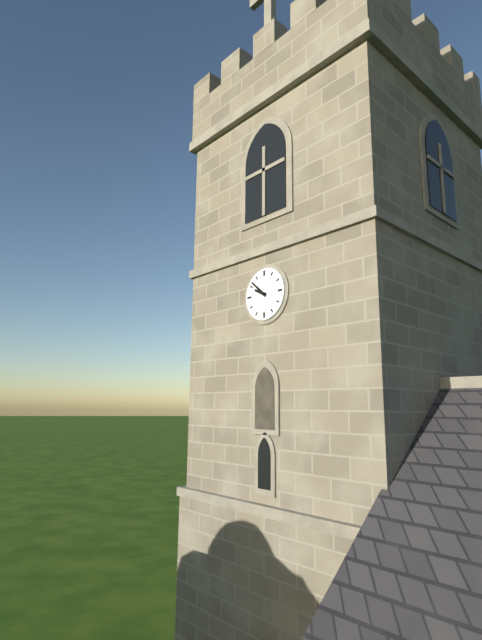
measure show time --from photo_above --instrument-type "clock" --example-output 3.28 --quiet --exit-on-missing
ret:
9.52
